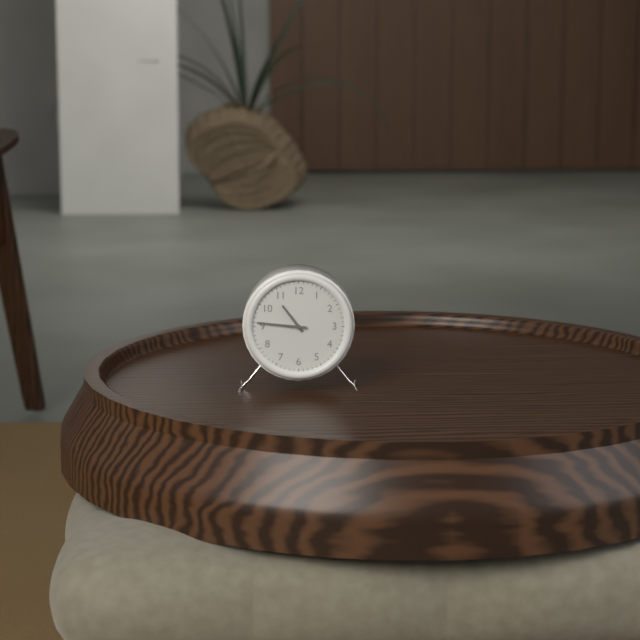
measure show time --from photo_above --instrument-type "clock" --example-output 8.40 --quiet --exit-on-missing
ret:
10.46
